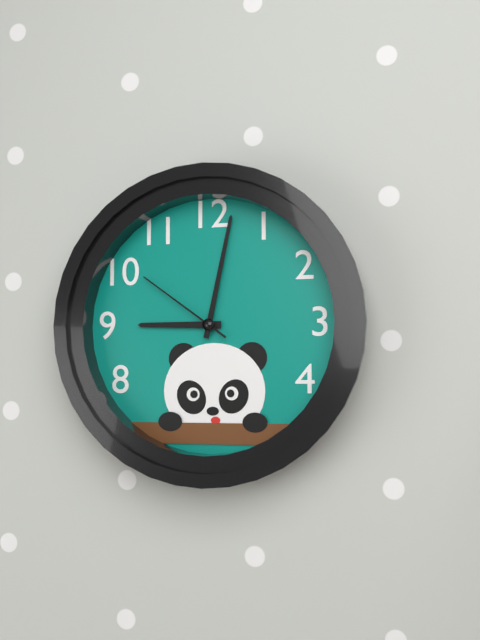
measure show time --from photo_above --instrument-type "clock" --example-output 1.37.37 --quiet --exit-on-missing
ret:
9.02.51
